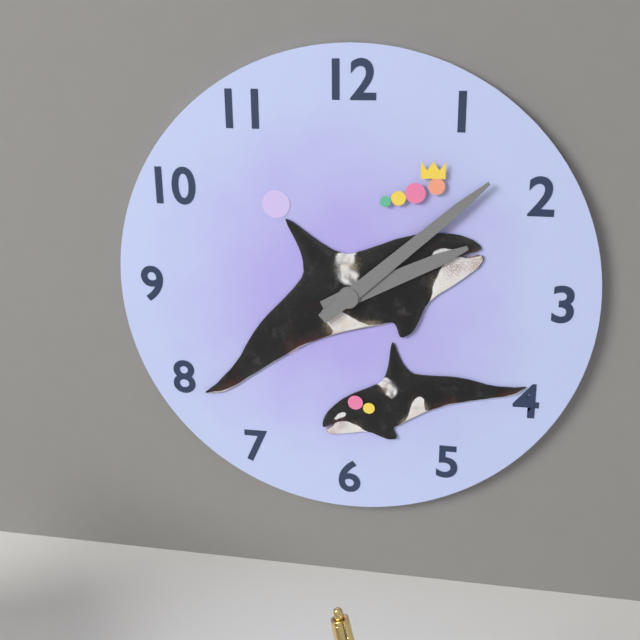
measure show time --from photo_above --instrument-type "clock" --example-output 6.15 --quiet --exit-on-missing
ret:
2.08
